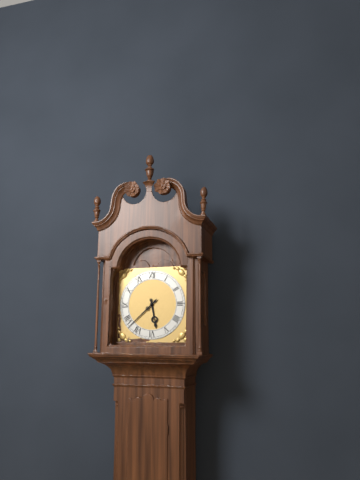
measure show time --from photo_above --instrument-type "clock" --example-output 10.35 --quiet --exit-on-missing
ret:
5.38
